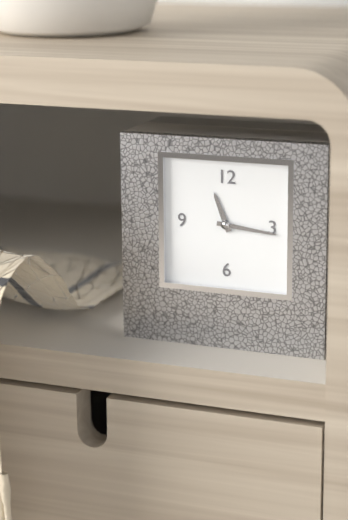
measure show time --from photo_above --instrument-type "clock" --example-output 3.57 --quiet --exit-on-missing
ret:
11.16
